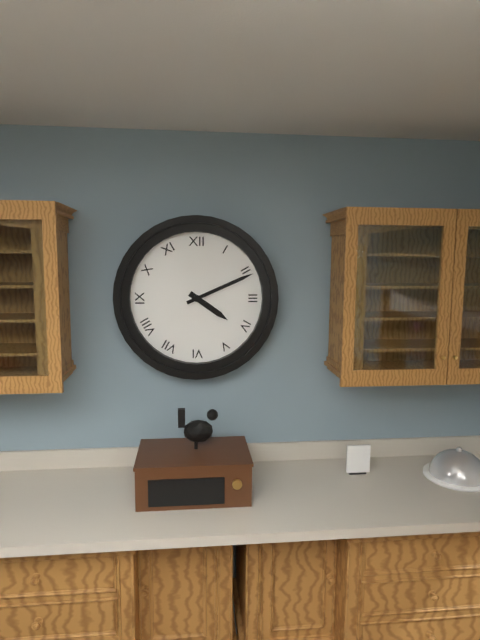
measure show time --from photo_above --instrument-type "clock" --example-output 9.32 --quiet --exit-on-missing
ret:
4.11
